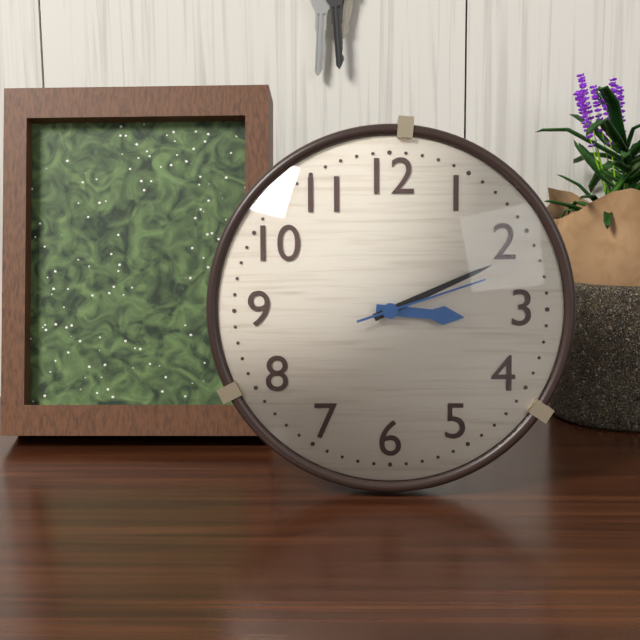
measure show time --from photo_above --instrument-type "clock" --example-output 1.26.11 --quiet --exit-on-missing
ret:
3.11.12
